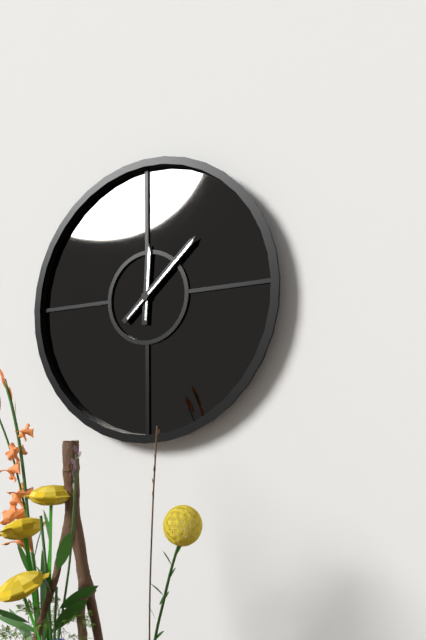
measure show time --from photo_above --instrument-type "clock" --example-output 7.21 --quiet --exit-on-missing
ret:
12.08
